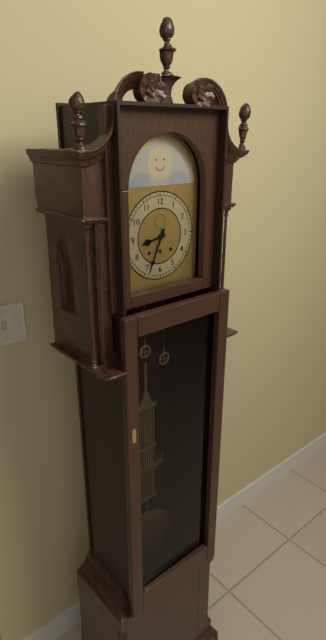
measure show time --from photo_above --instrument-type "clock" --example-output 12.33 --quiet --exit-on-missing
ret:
8.34
